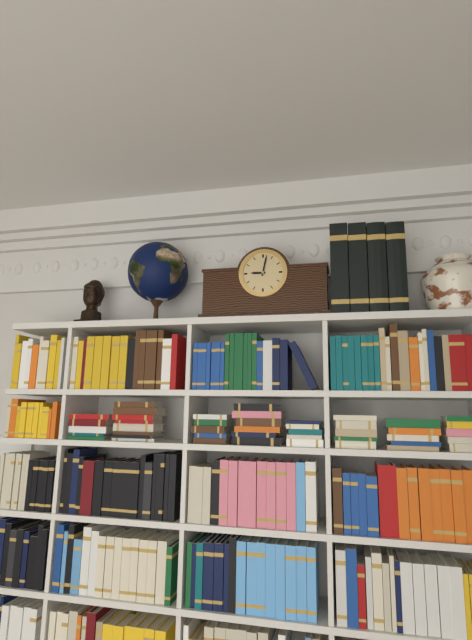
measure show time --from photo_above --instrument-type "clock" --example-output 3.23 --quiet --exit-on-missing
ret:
9.02
